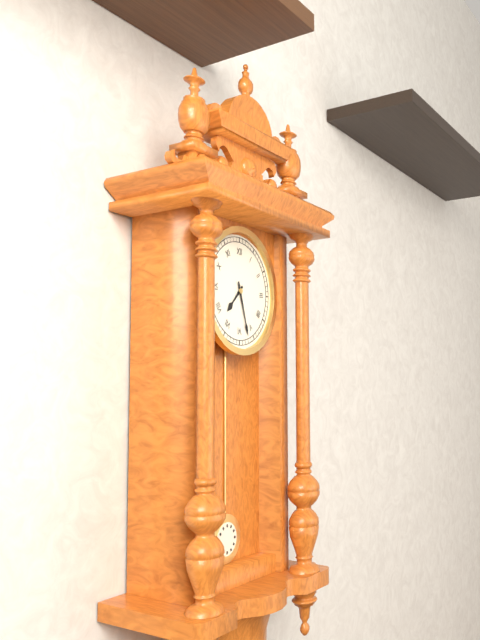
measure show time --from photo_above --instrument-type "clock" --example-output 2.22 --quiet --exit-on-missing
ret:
7.27
